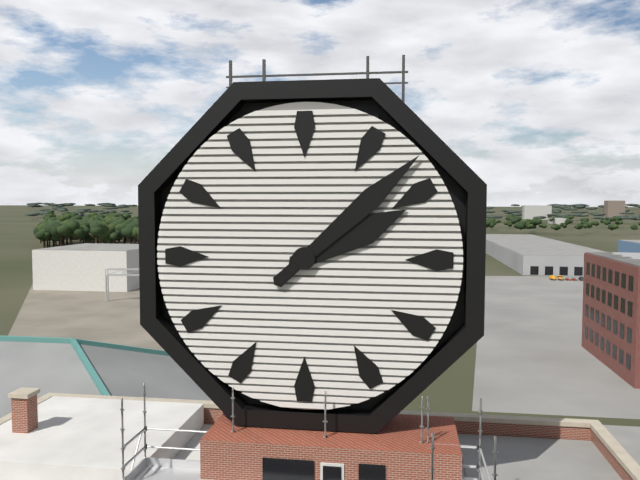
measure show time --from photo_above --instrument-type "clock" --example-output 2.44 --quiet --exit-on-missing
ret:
2.08
